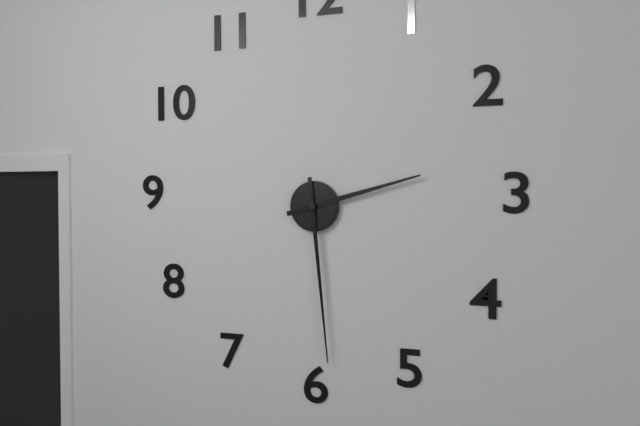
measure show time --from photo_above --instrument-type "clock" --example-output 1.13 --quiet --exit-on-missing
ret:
2.29
